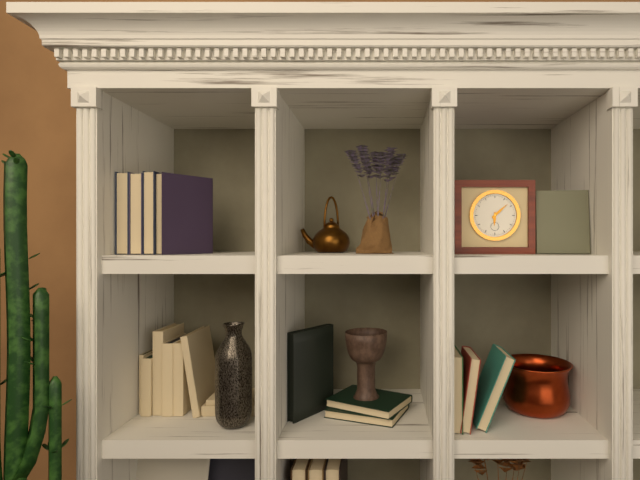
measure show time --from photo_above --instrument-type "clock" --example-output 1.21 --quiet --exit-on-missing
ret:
6.08
